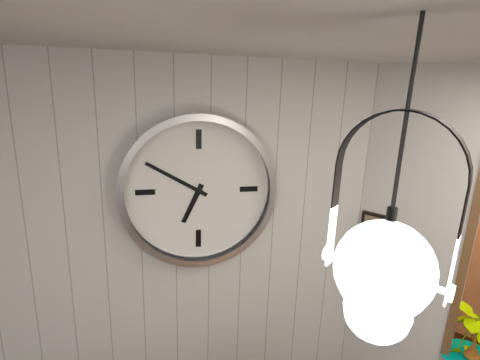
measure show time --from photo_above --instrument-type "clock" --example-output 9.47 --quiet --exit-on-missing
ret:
6.50
